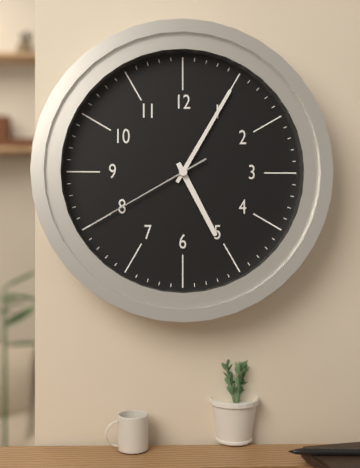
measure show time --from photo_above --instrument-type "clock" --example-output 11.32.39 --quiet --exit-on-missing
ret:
5.05.40
